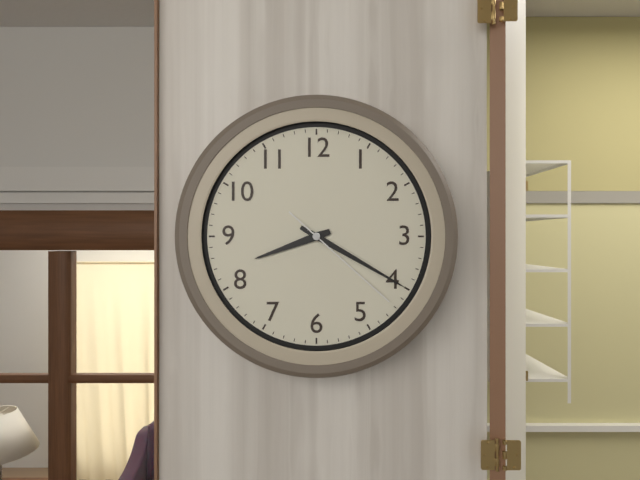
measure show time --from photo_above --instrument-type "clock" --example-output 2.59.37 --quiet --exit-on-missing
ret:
8.20.22
